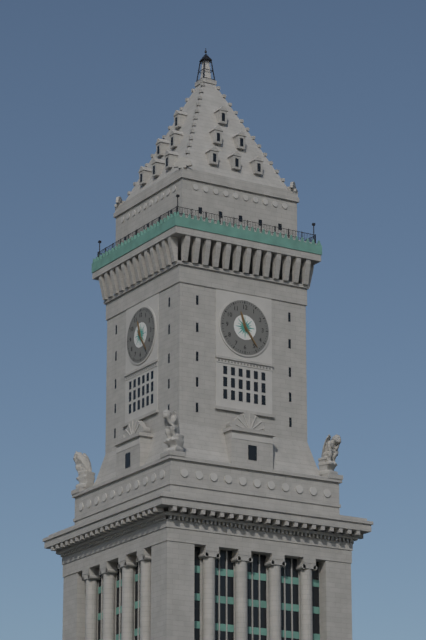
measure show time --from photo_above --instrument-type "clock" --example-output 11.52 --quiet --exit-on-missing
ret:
11.24
